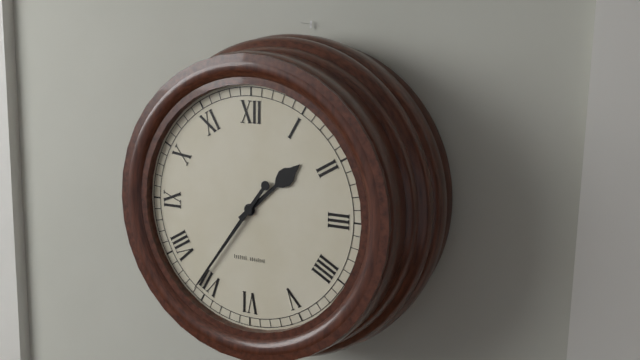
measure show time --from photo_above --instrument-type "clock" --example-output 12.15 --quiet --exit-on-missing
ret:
1.36
